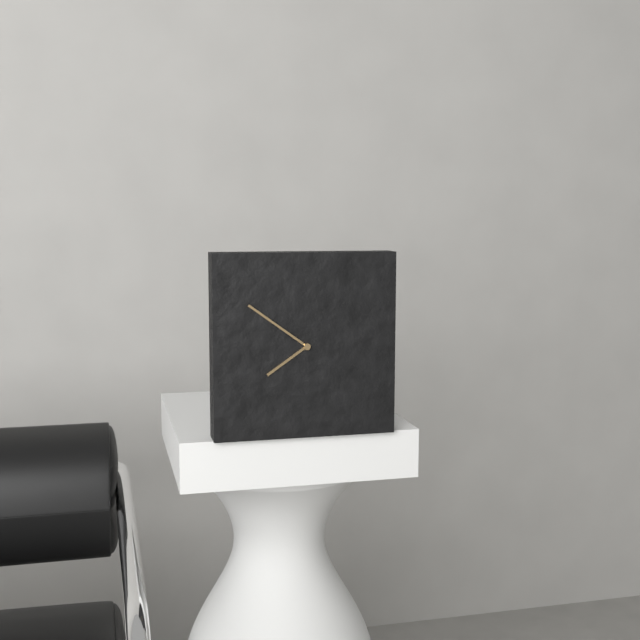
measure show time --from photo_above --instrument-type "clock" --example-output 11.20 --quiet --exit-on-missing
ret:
7.51
